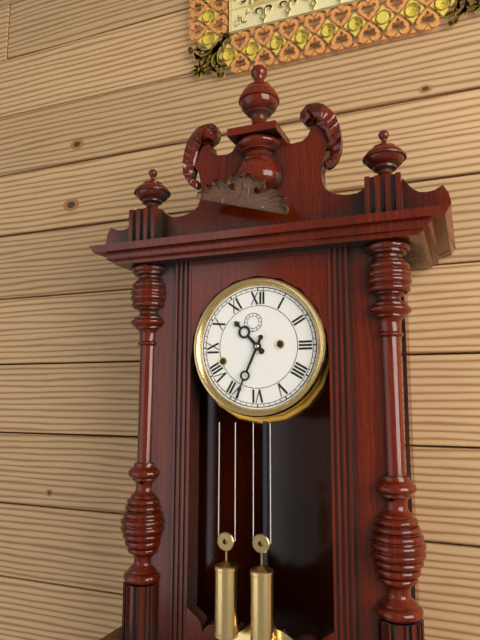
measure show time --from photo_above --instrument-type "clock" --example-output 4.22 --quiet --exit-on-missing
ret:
10.34
